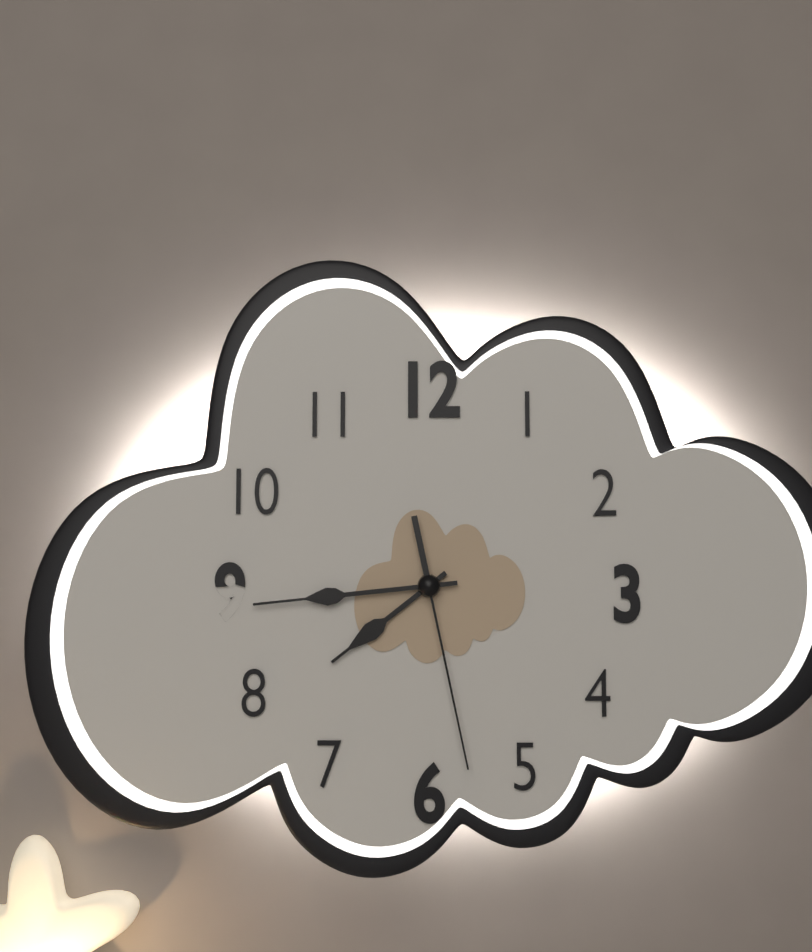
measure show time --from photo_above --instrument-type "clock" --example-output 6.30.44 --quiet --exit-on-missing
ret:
7.44.28
